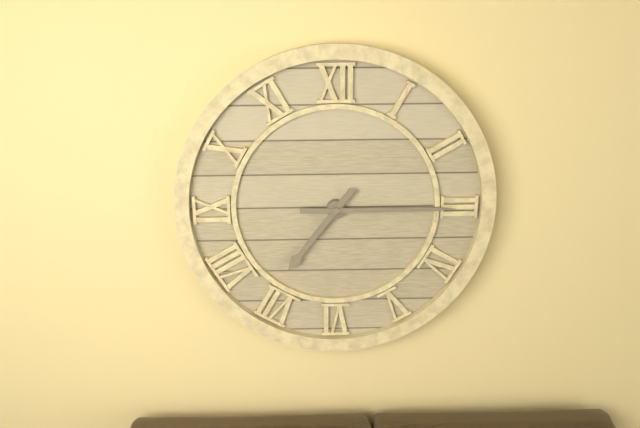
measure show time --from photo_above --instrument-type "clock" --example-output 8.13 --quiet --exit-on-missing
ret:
7.15
